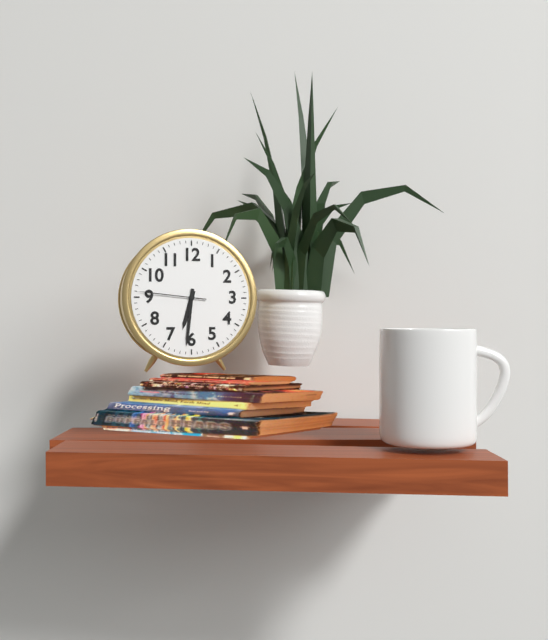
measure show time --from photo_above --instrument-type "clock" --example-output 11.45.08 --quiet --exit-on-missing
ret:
6.31.46
